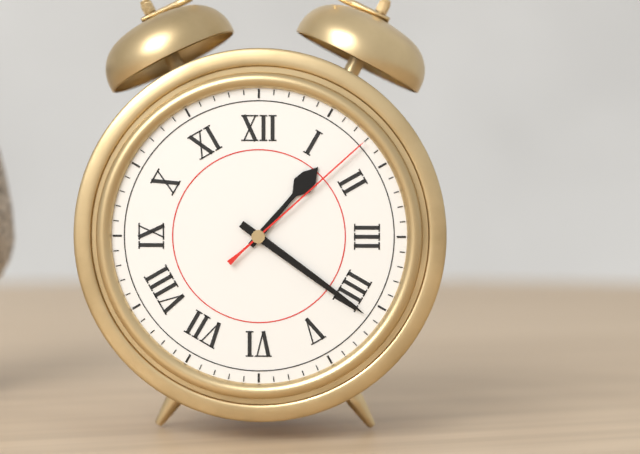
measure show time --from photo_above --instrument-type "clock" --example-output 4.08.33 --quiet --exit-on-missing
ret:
1.21.08
